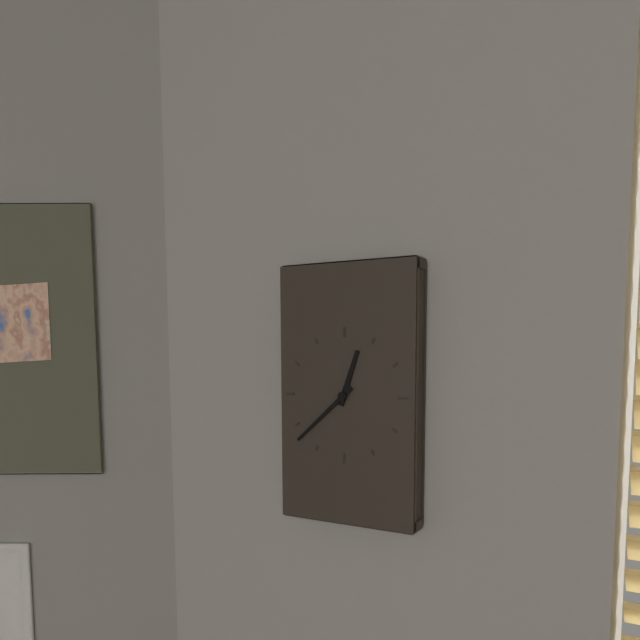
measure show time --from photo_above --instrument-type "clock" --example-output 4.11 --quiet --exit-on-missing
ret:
12.38
